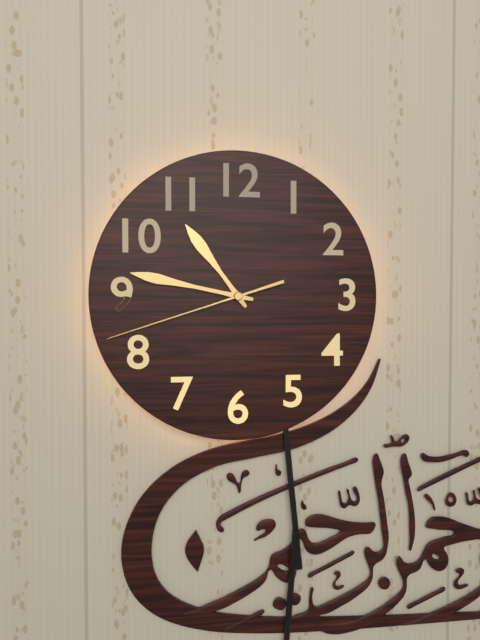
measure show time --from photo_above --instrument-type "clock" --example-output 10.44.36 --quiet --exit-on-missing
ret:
10.47.42
